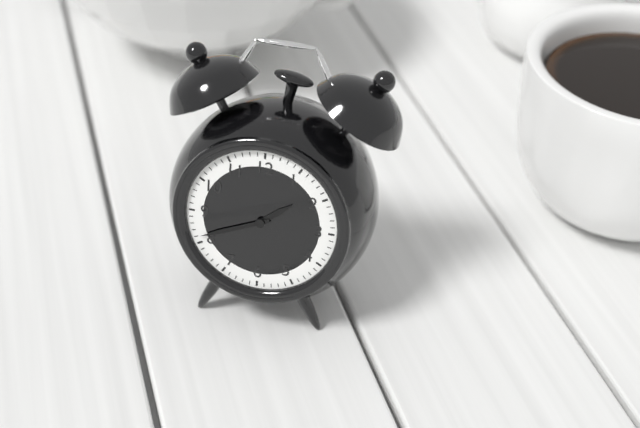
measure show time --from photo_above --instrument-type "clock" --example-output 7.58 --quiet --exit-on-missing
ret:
1.41
